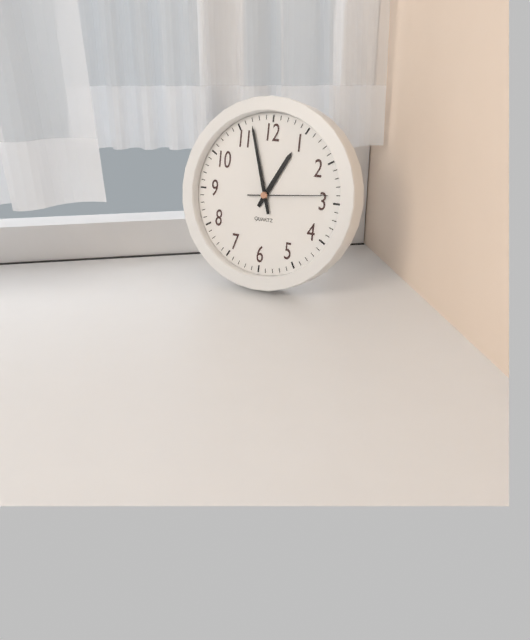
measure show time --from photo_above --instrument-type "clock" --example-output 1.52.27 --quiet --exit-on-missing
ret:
12.57.14
